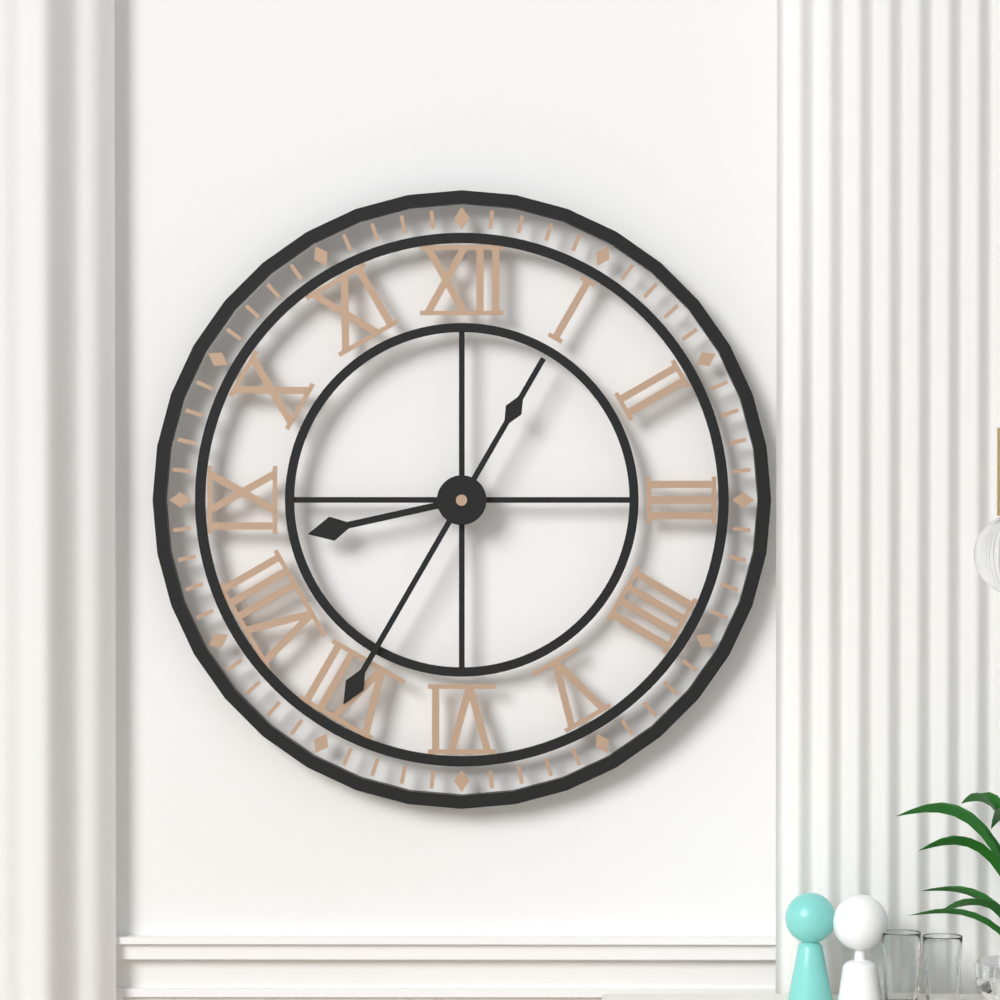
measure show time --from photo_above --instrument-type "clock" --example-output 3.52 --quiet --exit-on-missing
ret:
8.35
